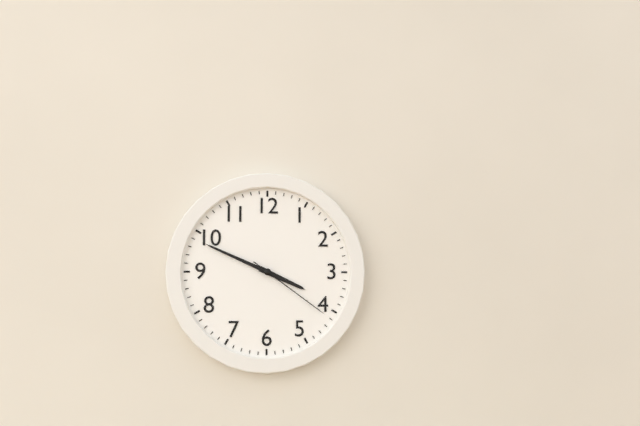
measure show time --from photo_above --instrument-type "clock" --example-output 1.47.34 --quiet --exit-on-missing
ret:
3.49.21
